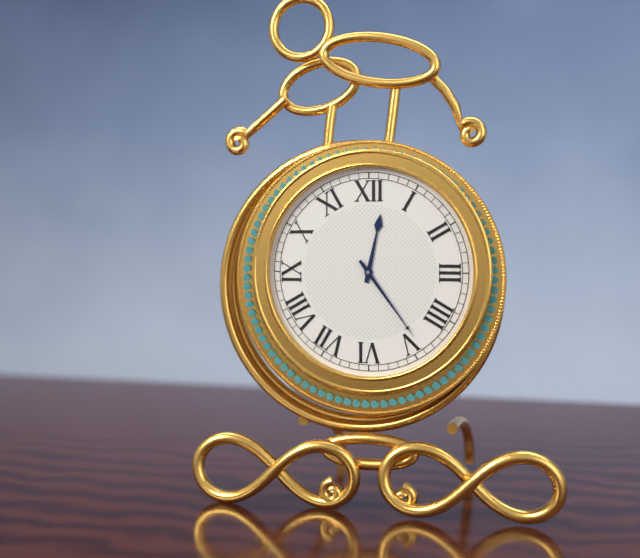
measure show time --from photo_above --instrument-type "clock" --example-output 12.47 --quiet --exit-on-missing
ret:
12.24
